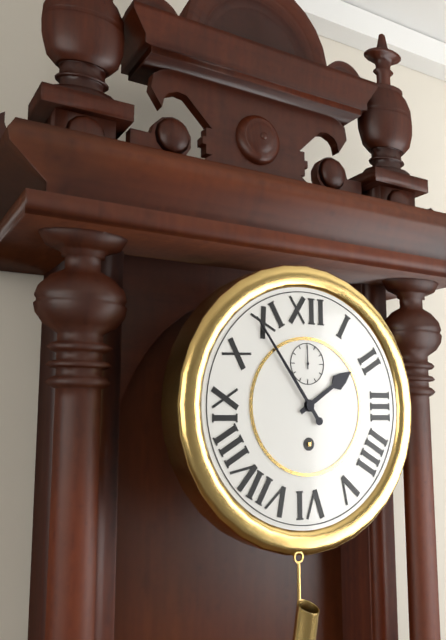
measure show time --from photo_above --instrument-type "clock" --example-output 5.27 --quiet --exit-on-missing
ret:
1.54
